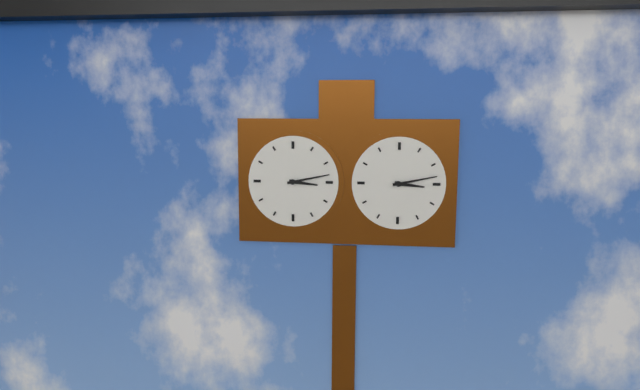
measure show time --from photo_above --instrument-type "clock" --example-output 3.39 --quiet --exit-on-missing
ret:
3.13
